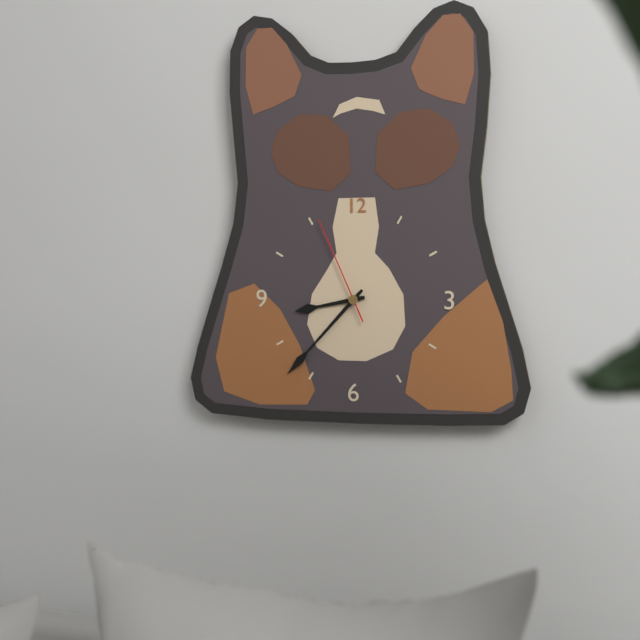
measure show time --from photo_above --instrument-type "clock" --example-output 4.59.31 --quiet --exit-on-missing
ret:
8.37.56
